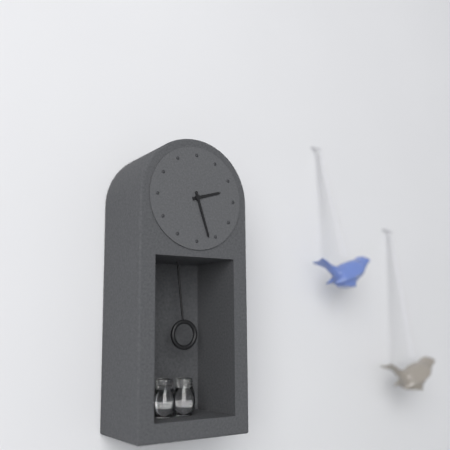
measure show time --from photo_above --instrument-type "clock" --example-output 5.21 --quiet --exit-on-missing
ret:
2.27
